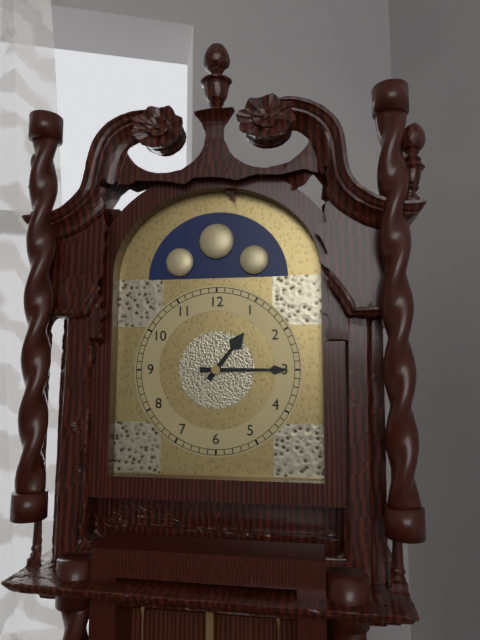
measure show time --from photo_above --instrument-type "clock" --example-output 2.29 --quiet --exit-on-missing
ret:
1.15
